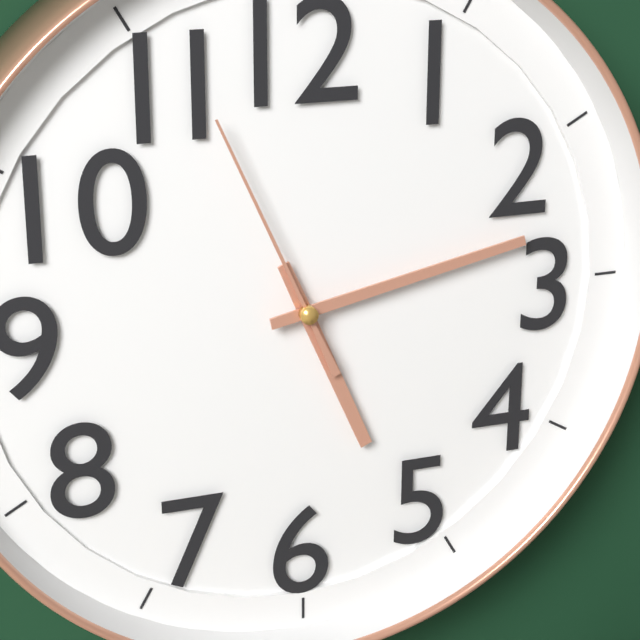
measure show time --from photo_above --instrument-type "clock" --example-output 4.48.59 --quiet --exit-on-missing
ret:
5.13.56
